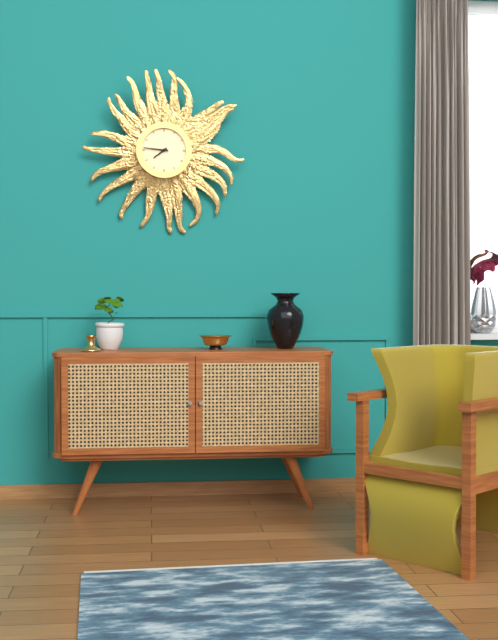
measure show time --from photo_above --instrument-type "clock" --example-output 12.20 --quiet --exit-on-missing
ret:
7.46
